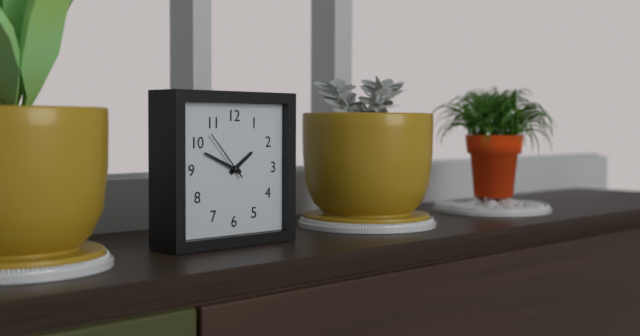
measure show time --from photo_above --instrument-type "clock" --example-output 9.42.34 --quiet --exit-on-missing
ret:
1.49.53
